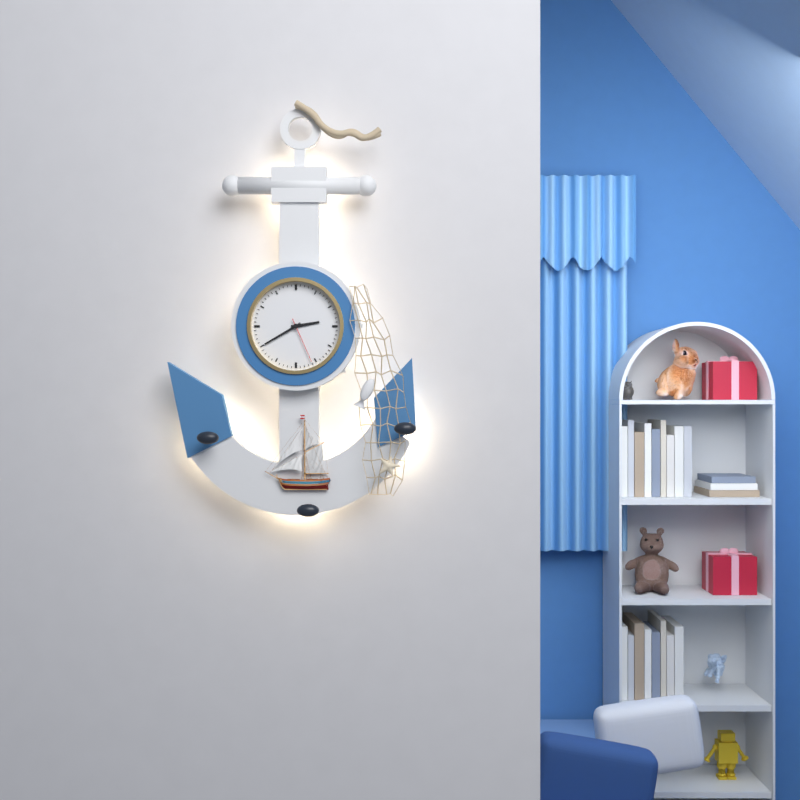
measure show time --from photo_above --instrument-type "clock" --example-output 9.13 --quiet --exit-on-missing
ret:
2.40
